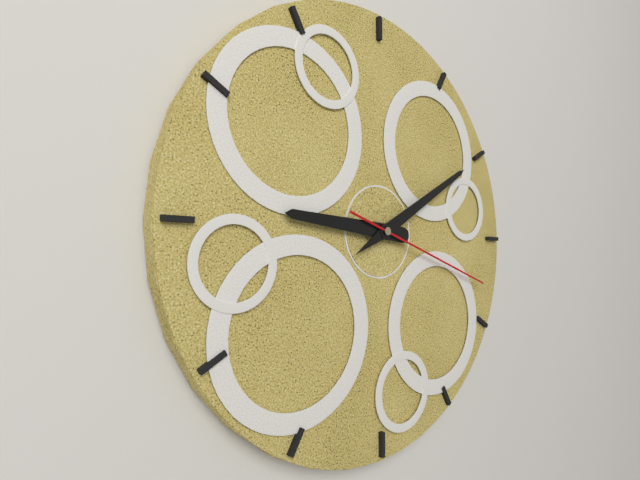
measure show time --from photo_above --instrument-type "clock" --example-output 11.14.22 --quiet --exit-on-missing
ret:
9.10.18
